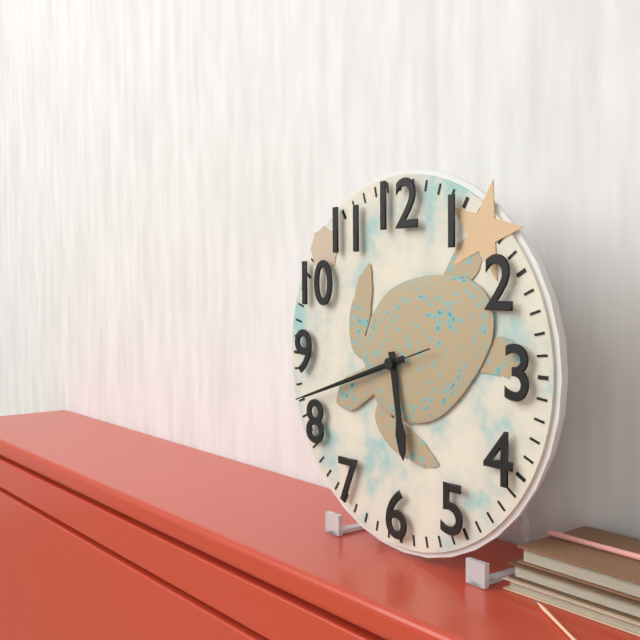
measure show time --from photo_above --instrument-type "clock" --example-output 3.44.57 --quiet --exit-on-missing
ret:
5.42.42
